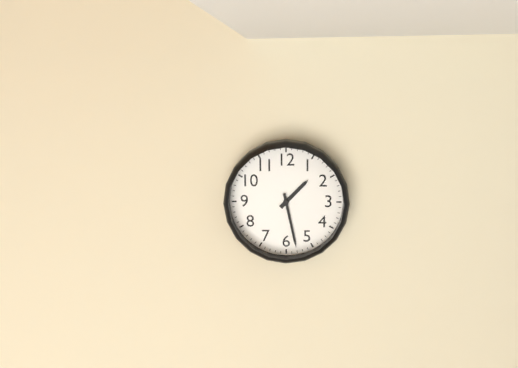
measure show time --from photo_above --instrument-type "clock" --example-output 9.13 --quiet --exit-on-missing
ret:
1.28
